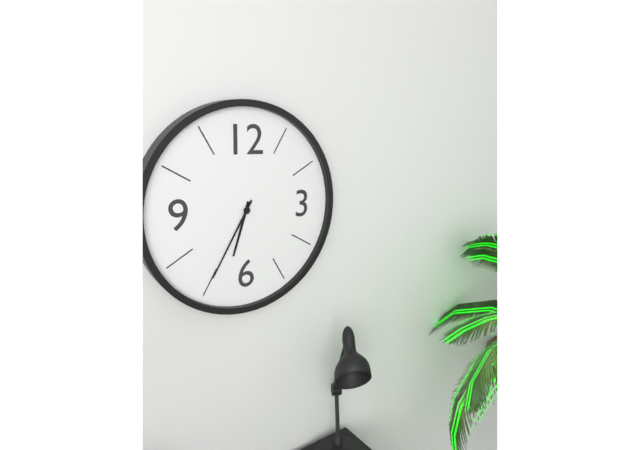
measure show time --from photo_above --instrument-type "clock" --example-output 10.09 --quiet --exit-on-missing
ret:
6.35
